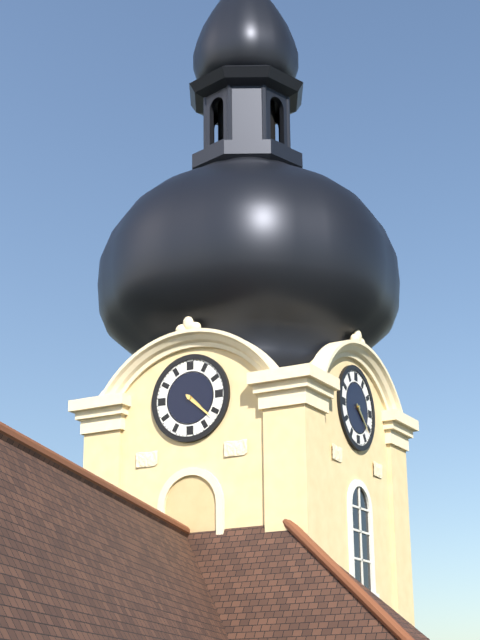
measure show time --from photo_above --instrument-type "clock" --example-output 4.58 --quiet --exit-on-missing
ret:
4.22
